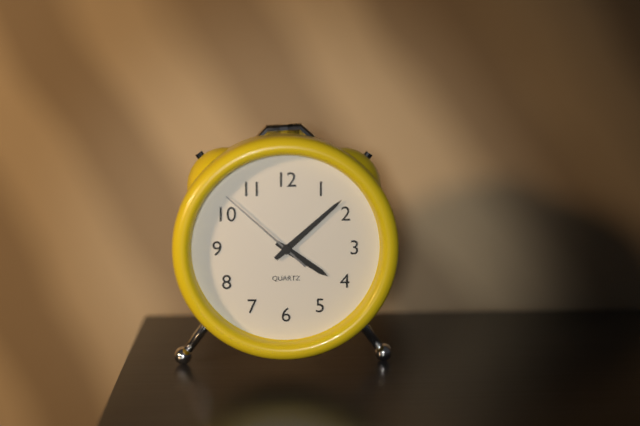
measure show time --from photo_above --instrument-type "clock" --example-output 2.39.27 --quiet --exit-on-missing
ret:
4.08.52
